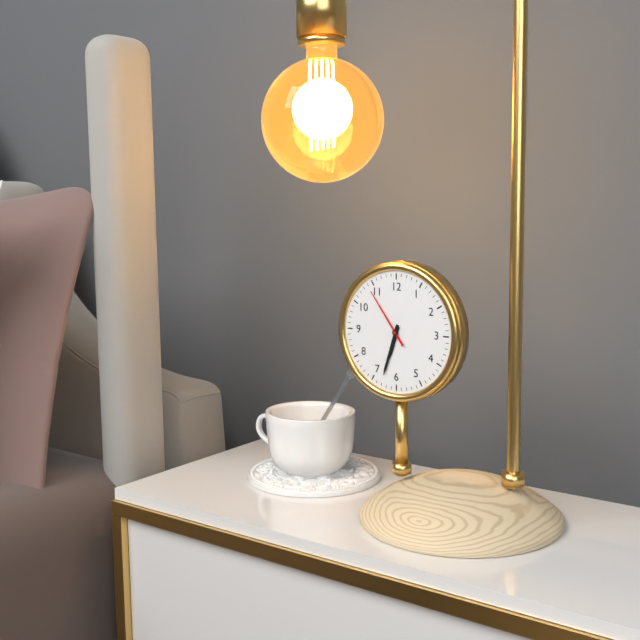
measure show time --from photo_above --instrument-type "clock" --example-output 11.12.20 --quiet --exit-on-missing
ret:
6.33.54
